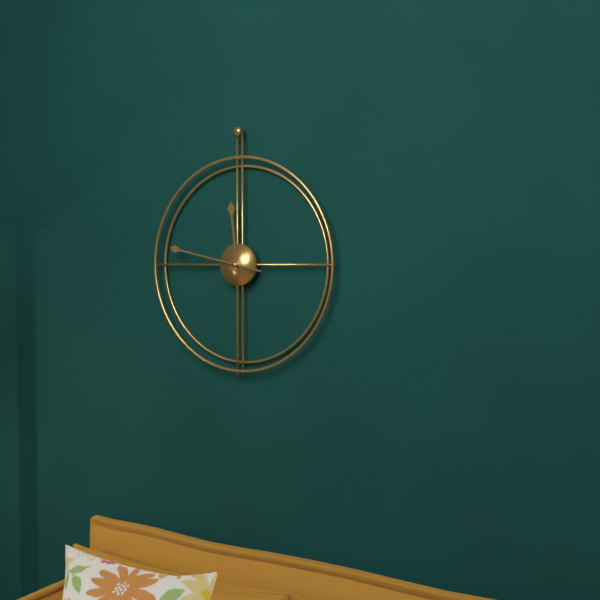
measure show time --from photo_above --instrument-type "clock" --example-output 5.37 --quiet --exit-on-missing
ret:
11.47
